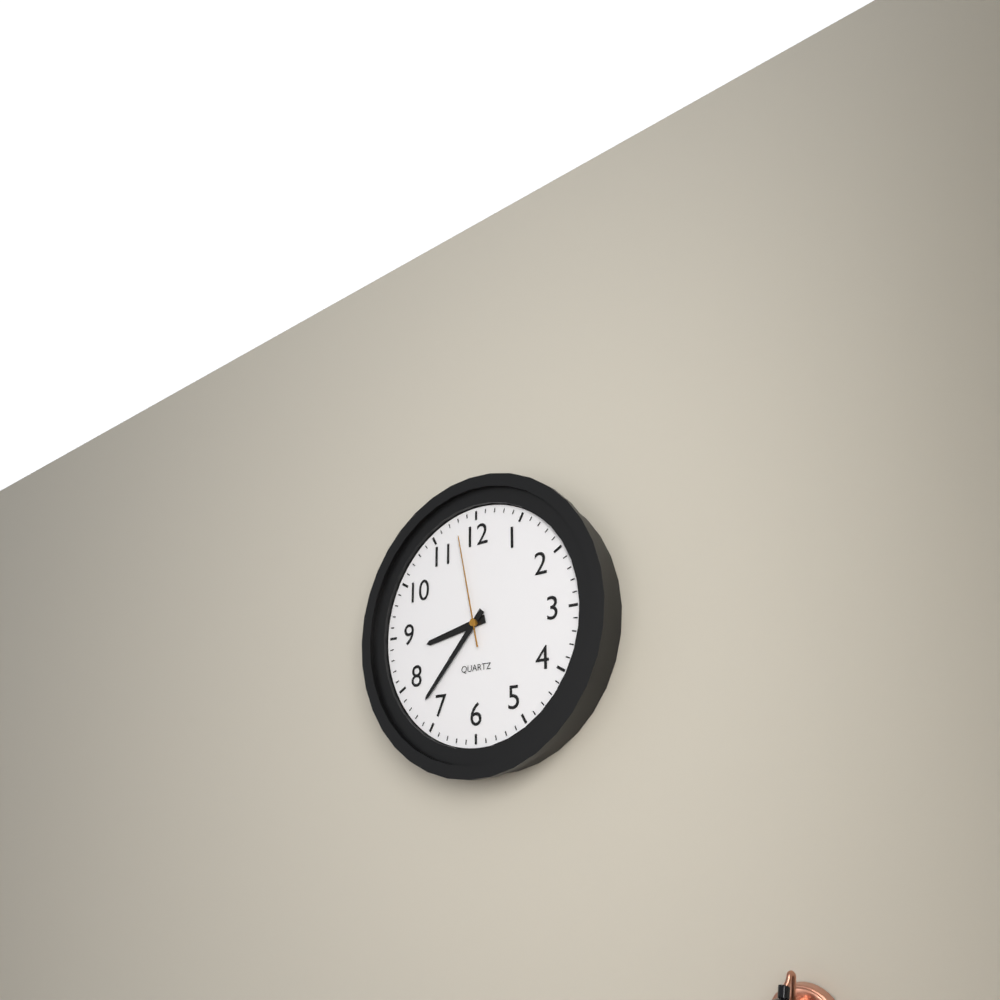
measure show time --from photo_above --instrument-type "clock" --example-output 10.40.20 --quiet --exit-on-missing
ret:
8.37.58
